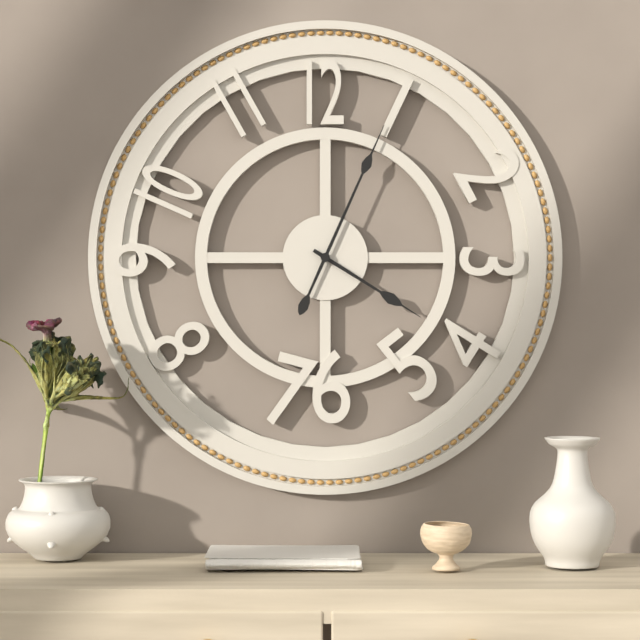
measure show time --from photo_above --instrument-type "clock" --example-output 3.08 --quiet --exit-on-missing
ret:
4.04
